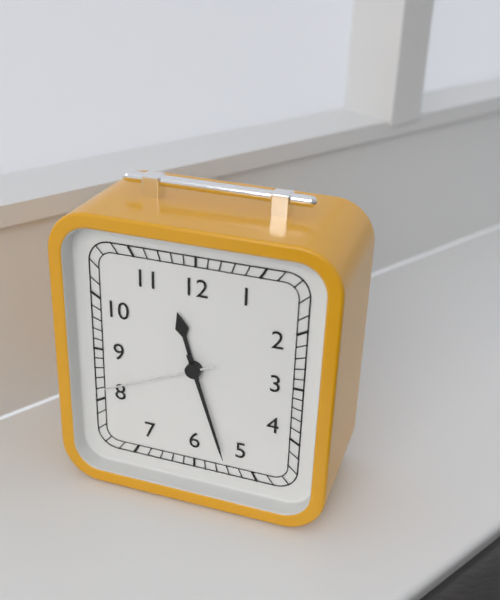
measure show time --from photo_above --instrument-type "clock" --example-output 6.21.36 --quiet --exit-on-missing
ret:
11.27.41
